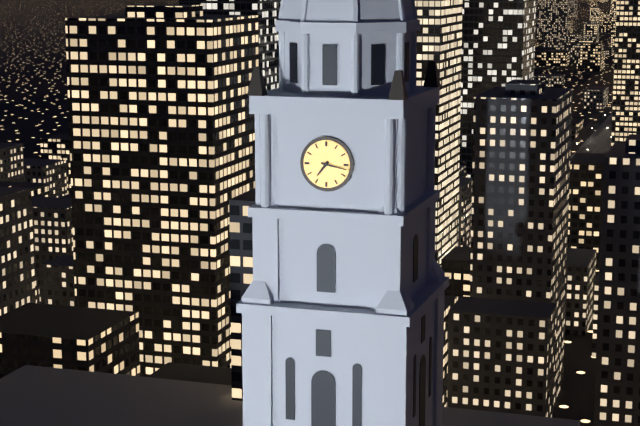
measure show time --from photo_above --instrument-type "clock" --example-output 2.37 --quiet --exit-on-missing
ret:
7.17
